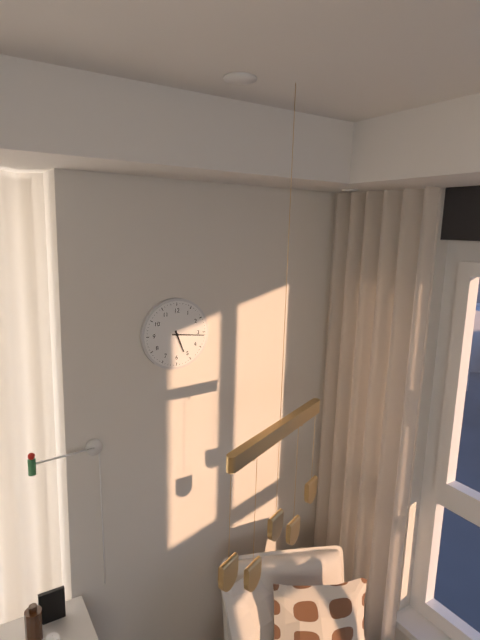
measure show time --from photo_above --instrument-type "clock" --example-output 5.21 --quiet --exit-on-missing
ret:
5.16
